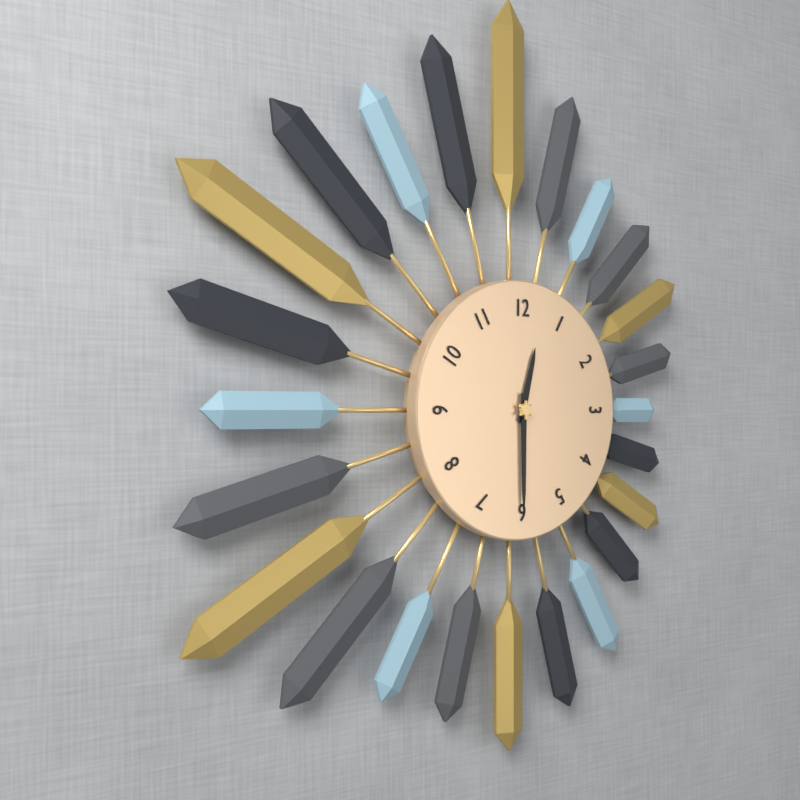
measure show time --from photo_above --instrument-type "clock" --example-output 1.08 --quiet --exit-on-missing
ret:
12.30
